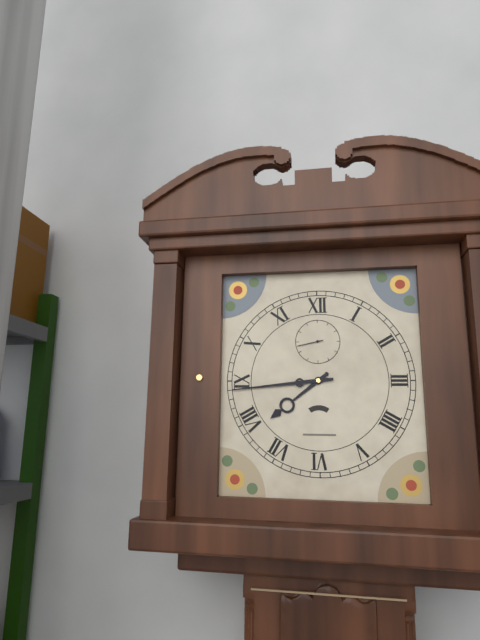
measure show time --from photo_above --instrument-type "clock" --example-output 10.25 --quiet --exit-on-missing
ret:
7.44
